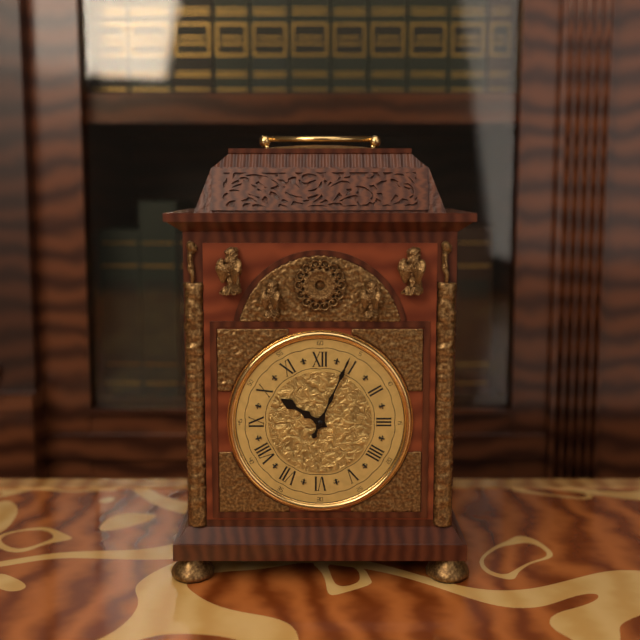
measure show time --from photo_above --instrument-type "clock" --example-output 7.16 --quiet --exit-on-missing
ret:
10.04
